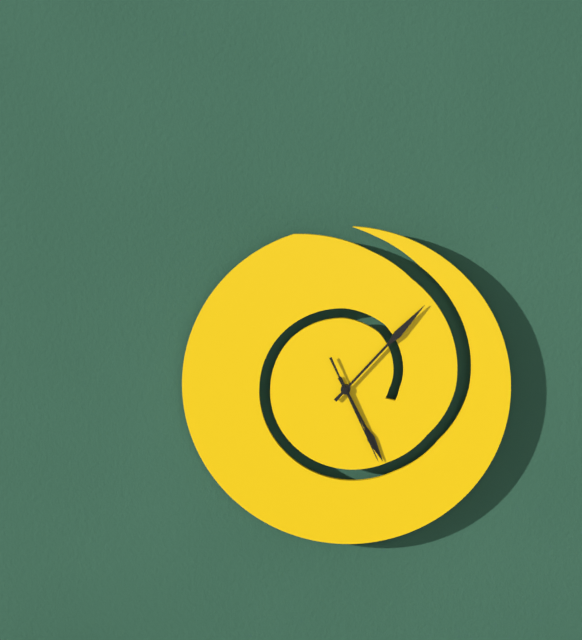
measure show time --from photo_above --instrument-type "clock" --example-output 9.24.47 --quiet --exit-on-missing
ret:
5.07.26
